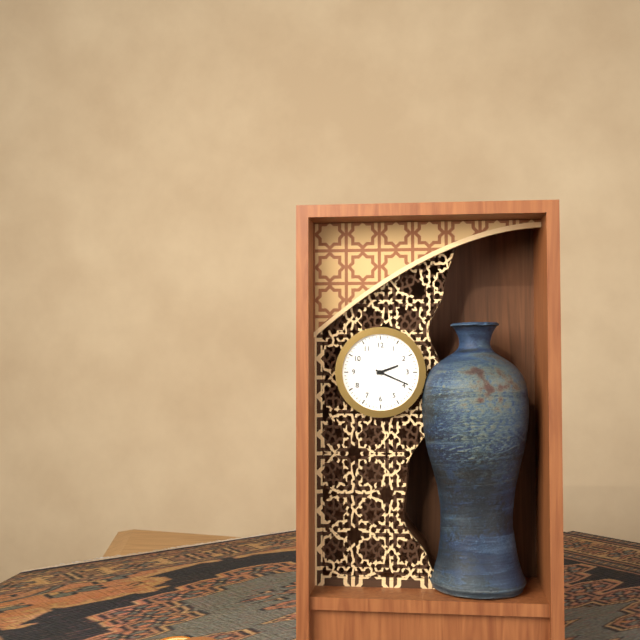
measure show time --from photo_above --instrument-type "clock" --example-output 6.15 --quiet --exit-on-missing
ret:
2.19
